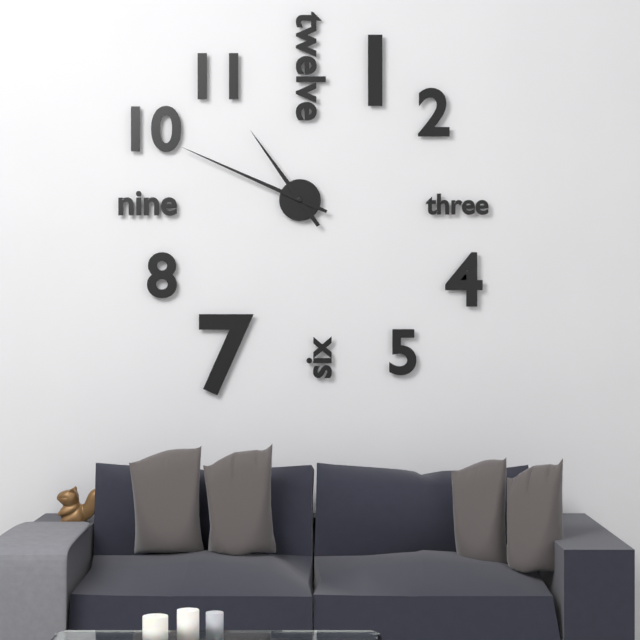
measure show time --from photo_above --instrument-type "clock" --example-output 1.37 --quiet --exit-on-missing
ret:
10.49
